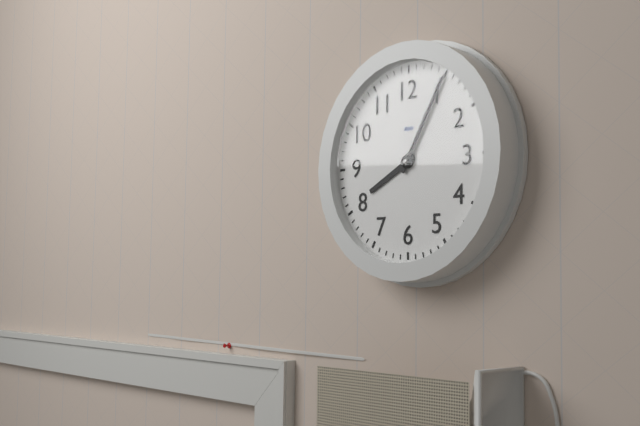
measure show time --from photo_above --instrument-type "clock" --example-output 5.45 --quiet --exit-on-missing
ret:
8.05
